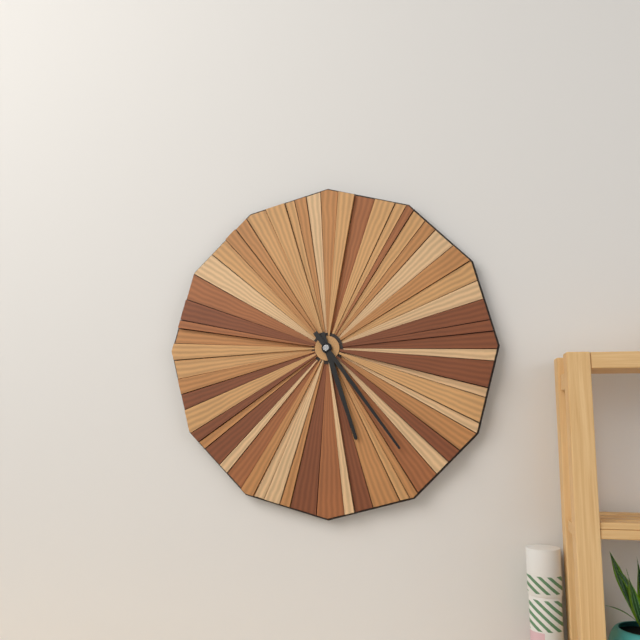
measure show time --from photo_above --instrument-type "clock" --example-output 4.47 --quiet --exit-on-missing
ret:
5.24
